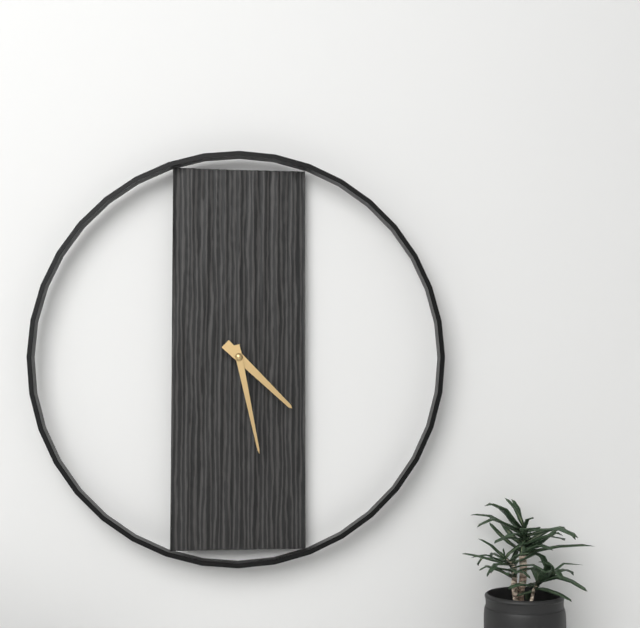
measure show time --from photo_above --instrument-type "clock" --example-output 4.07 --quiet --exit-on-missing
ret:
4.28
